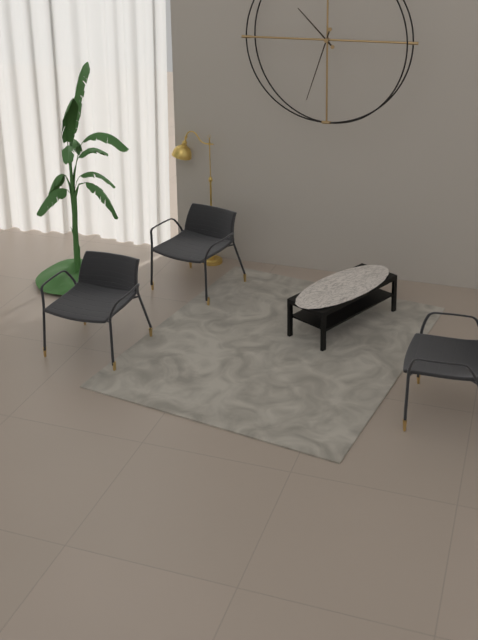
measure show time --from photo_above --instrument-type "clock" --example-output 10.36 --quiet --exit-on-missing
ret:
10.33
